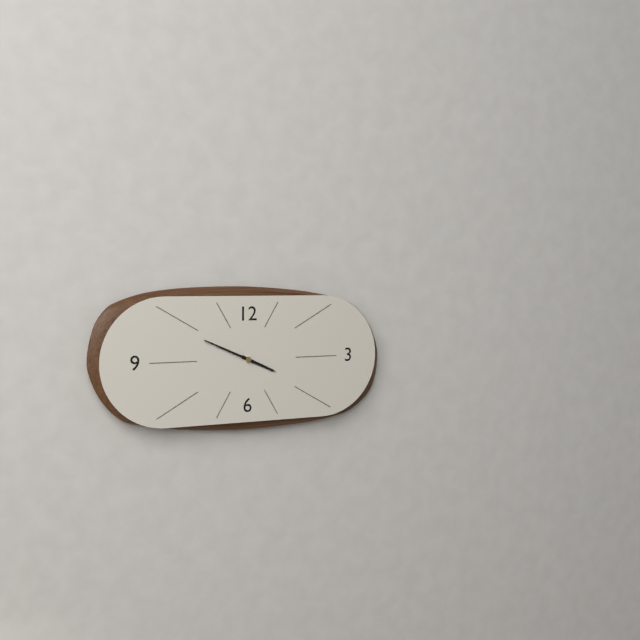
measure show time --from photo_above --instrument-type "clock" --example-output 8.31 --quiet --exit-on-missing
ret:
3.49
